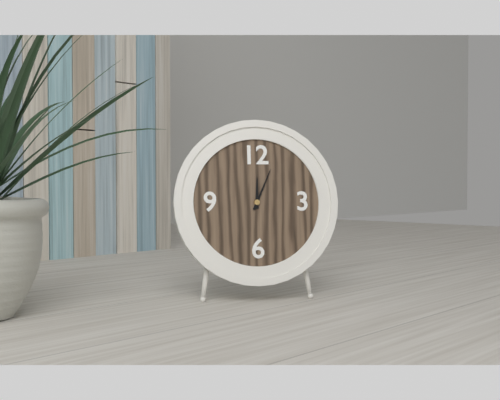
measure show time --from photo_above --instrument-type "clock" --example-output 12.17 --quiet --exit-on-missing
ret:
12.04
